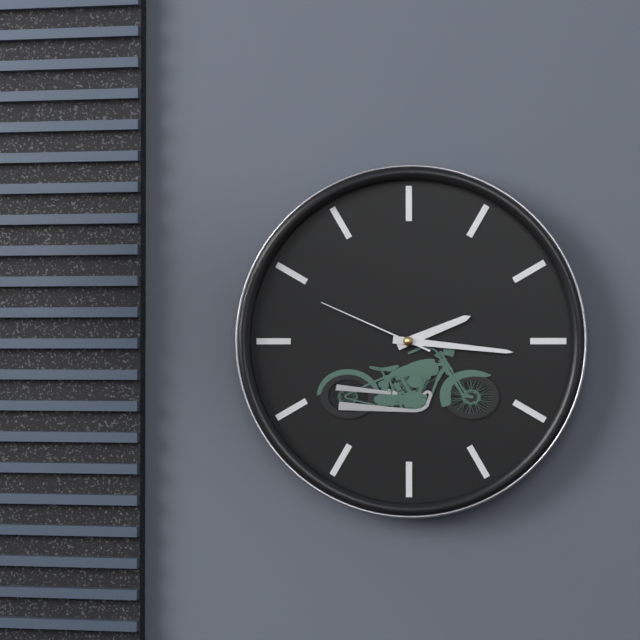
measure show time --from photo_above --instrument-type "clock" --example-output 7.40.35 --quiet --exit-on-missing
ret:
2.16.49
